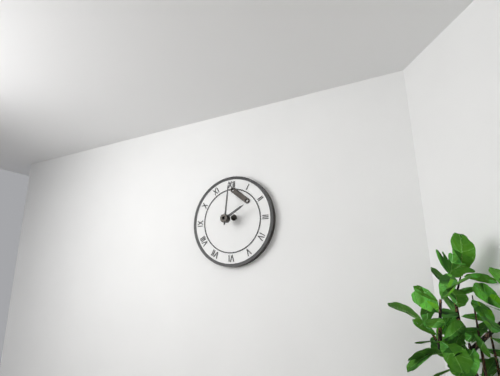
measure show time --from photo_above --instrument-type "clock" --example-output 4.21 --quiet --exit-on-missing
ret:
2.01
